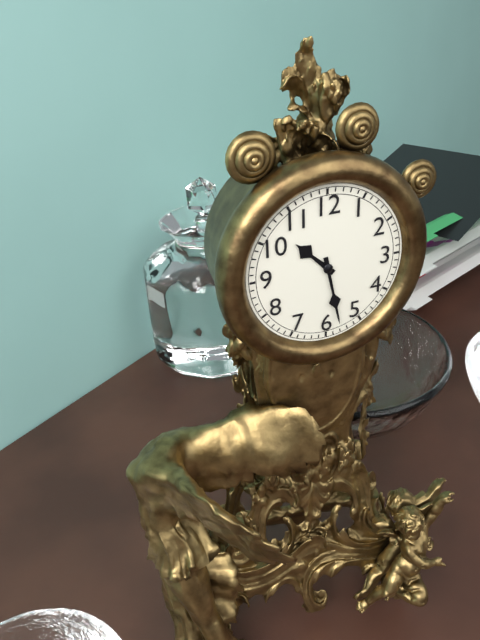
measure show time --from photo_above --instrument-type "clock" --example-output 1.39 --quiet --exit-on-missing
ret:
10.28
